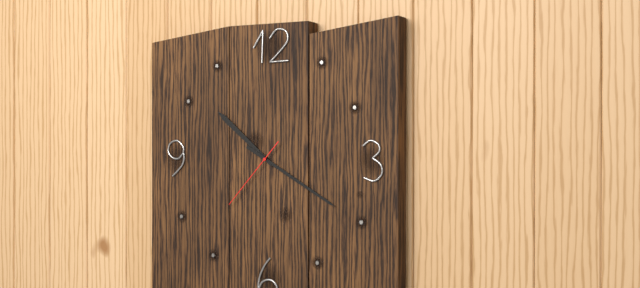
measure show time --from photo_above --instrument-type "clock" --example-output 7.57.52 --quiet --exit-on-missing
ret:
10.20.37
